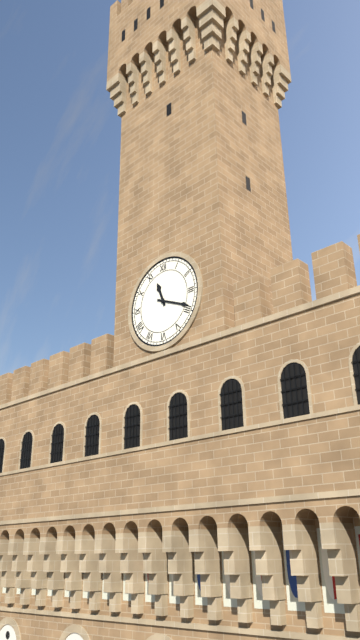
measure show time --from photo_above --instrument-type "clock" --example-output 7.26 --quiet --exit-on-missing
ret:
11.19
